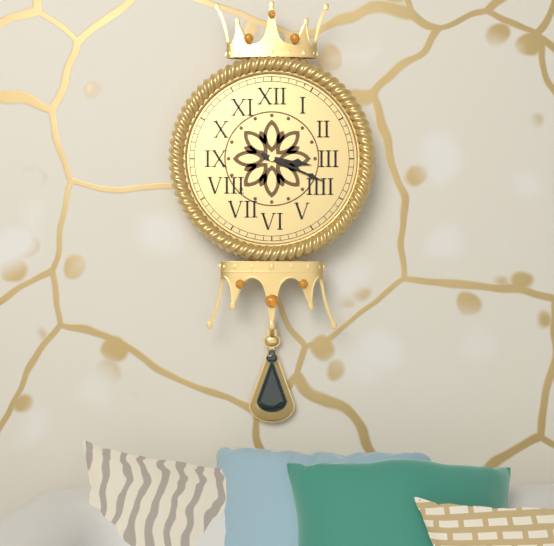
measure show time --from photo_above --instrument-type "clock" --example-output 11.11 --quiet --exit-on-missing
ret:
3.19
